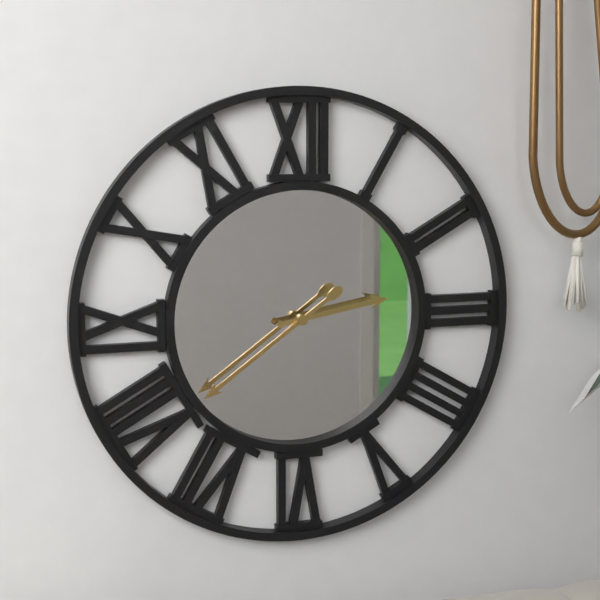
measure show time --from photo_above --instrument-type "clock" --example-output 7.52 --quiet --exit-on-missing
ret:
2.39
